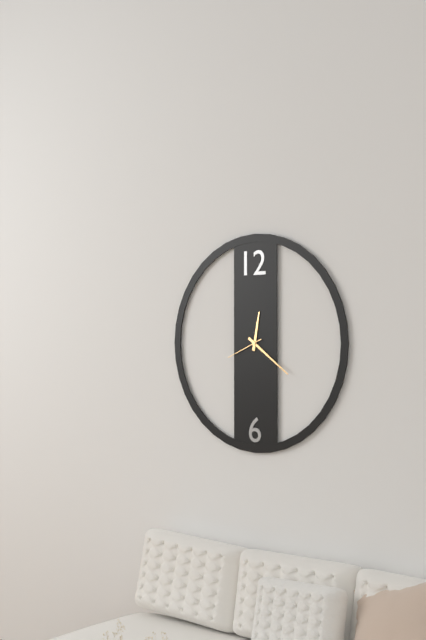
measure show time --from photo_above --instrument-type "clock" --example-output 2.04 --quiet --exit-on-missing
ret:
12.21
